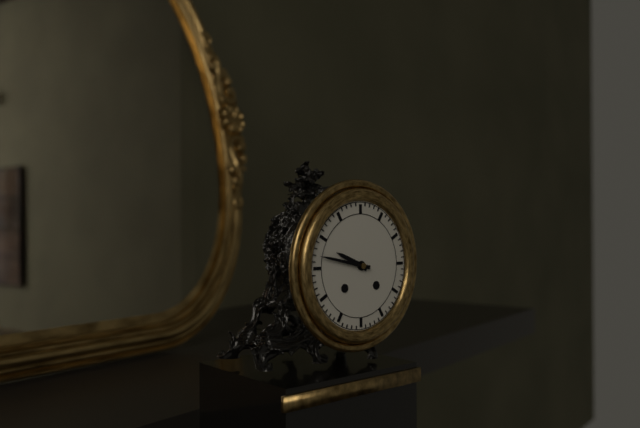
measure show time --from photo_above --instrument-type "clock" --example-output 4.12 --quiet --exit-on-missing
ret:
9.47
